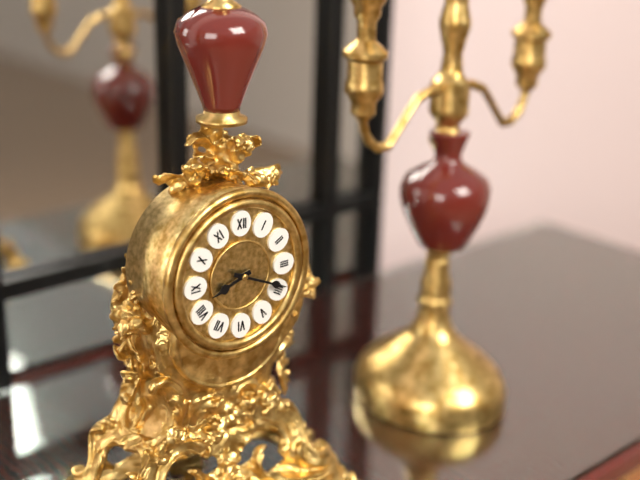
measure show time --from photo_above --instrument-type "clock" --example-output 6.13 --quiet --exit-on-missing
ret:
8.19
